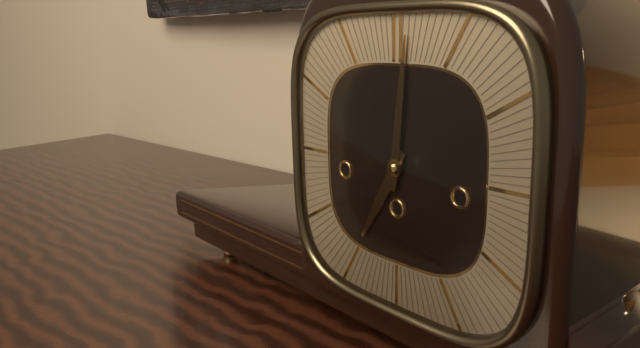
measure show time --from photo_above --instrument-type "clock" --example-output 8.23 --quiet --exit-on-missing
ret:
7.01
